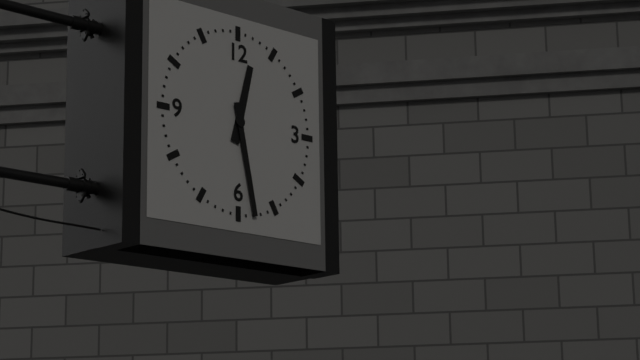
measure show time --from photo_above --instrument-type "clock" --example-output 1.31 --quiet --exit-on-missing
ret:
12.28
